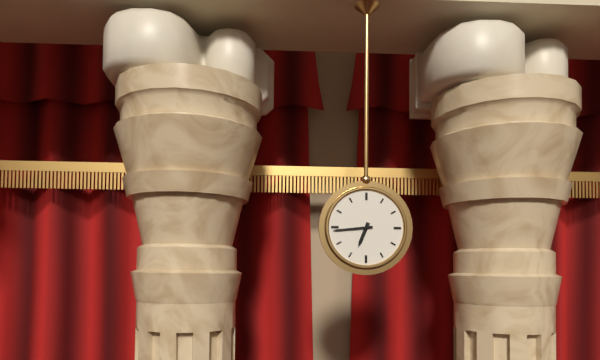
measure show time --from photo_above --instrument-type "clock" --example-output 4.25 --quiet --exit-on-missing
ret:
6.44
